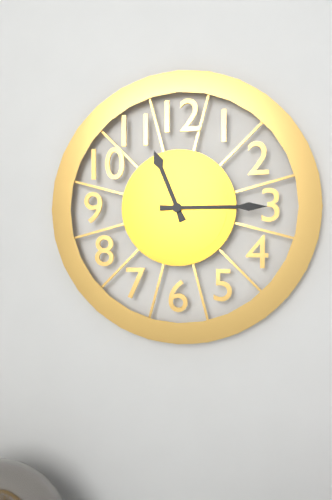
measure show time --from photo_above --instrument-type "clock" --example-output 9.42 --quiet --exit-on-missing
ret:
11.15
